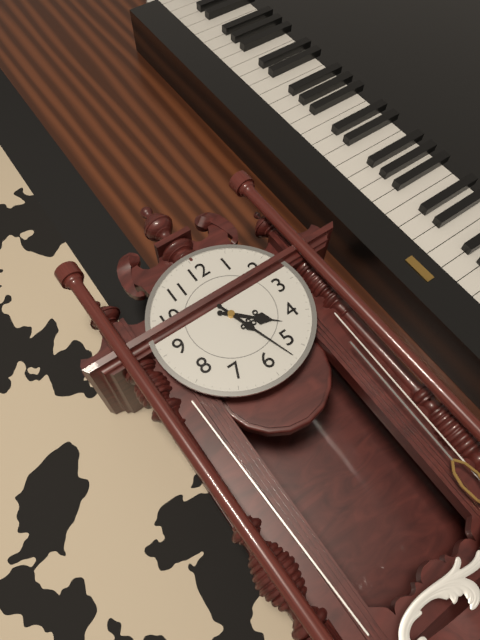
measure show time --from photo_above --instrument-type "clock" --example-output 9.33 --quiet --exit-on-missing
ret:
4.27
